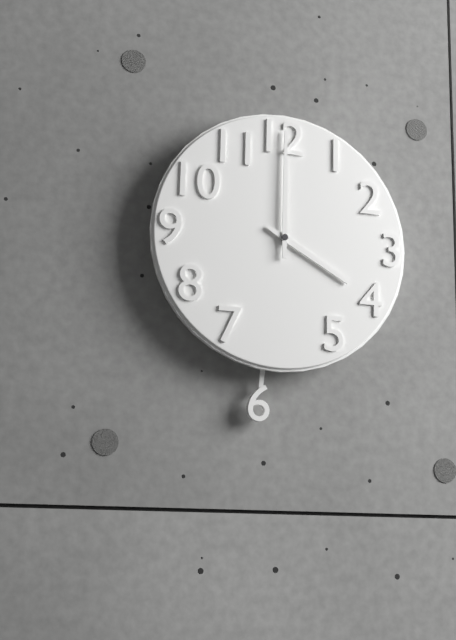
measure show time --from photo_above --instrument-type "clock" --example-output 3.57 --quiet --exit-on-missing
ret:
4.00
